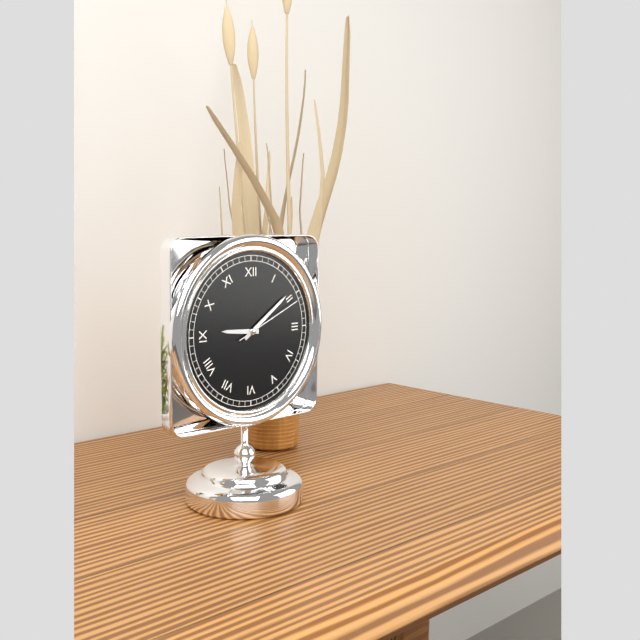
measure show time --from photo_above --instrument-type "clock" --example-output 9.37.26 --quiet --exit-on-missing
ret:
9.09.11
